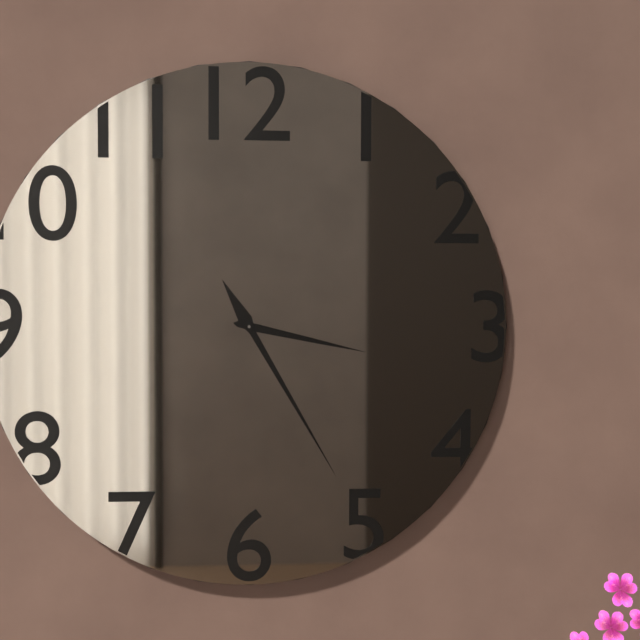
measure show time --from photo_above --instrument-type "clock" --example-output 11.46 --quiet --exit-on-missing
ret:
3.25
